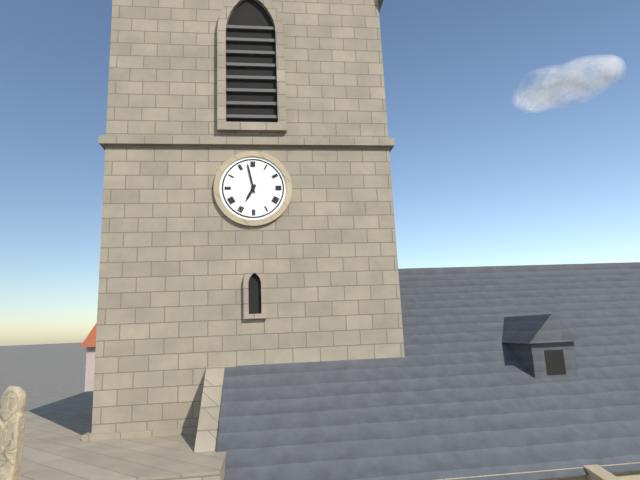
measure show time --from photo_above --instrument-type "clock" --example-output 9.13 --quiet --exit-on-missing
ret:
6.58
